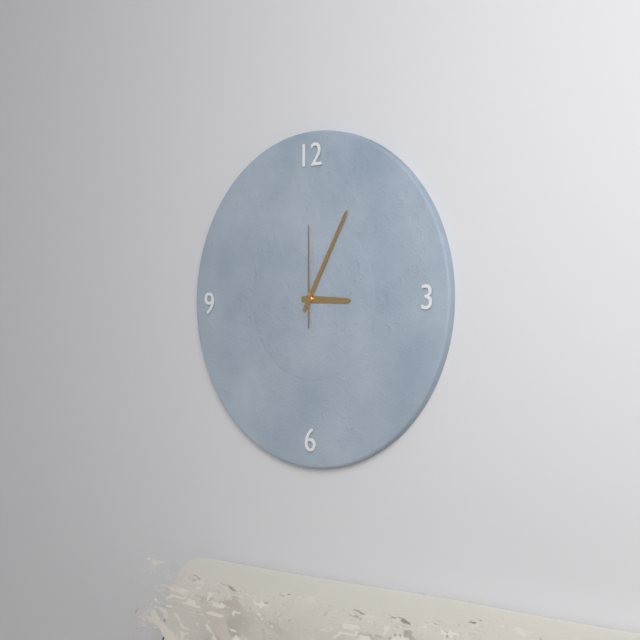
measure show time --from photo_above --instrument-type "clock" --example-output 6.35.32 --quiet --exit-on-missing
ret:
3.05.00
